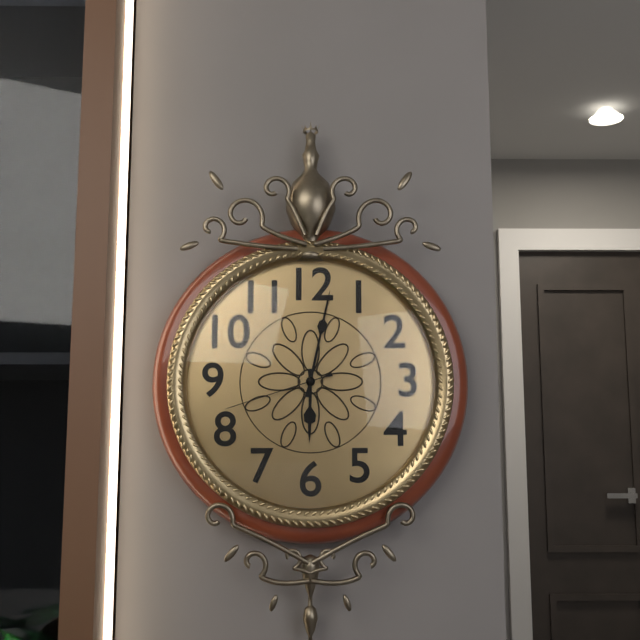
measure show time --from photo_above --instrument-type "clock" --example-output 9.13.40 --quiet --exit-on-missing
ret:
6.02.42
